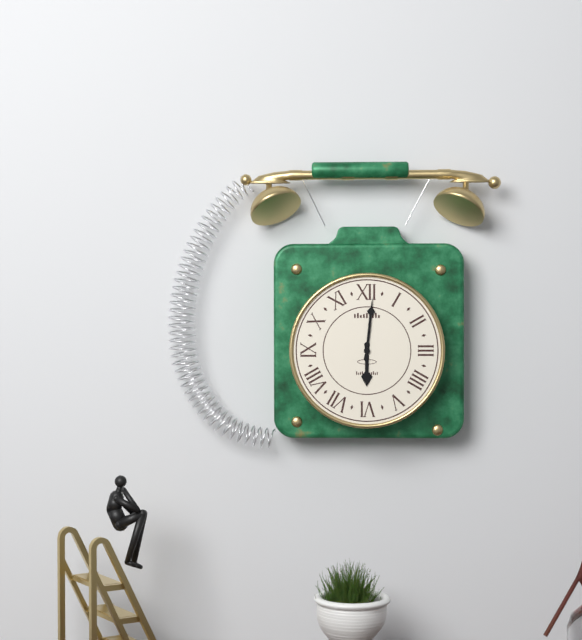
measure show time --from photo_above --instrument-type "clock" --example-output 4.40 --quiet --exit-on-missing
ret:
6.01
